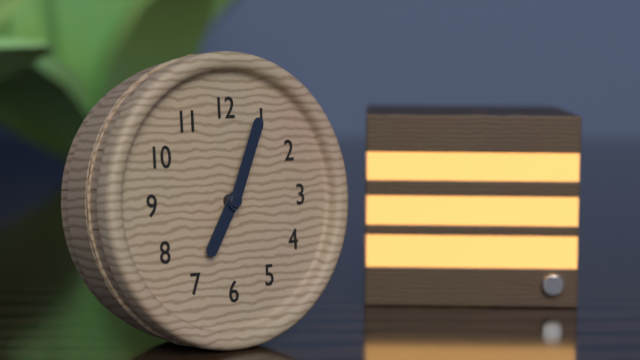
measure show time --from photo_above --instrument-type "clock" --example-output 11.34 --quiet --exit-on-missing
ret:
7.04
